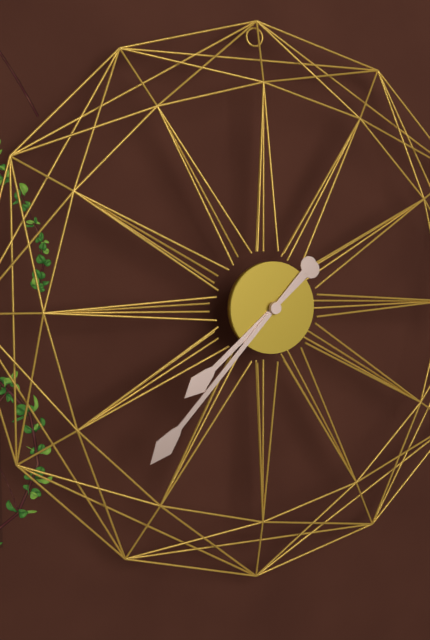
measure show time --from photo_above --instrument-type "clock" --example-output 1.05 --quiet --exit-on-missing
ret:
7.37
